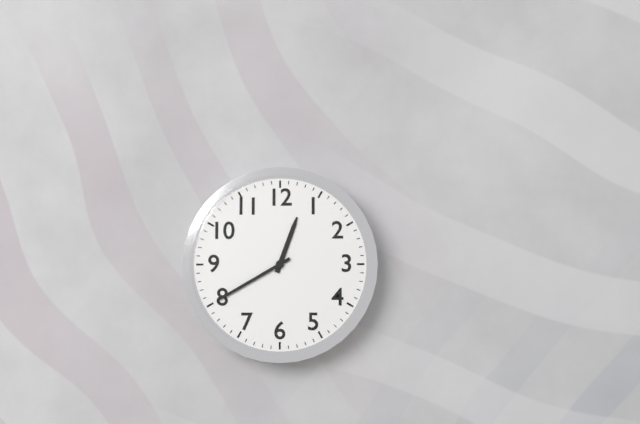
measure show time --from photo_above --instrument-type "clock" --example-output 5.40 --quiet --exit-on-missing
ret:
12.40
